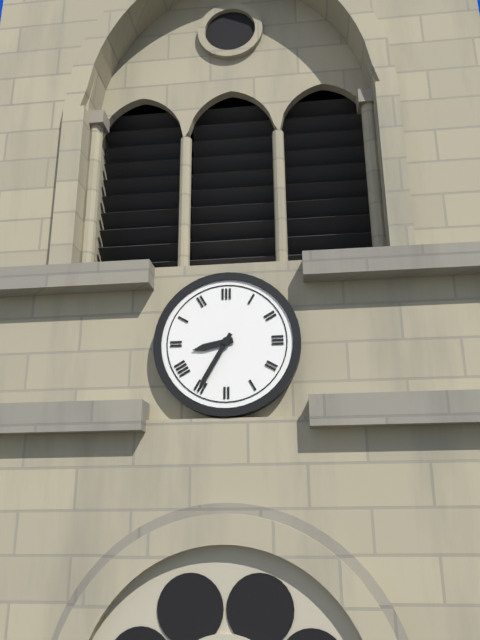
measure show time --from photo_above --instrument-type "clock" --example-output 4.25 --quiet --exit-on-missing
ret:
8.35
